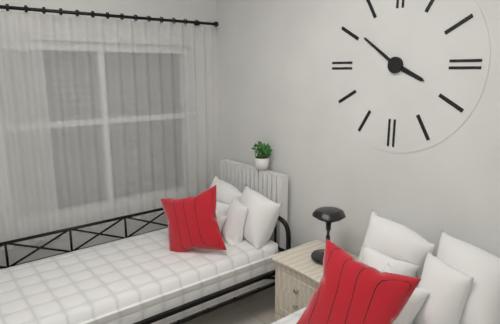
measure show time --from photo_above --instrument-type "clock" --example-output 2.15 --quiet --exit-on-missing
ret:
3.51
